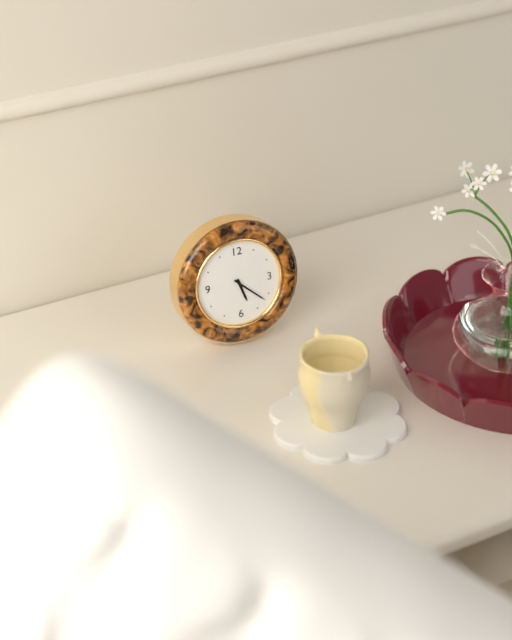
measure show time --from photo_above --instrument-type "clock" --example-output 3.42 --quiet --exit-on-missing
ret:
5.22
